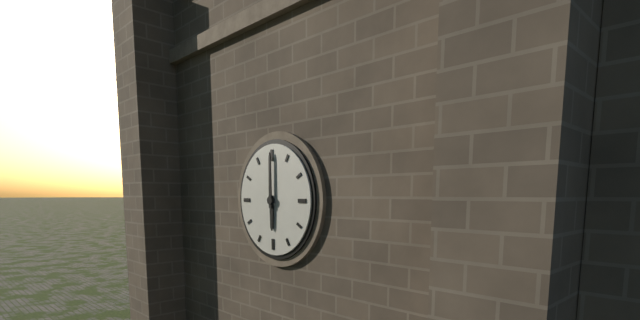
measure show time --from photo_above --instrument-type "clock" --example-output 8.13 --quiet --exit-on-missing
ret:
6.00
